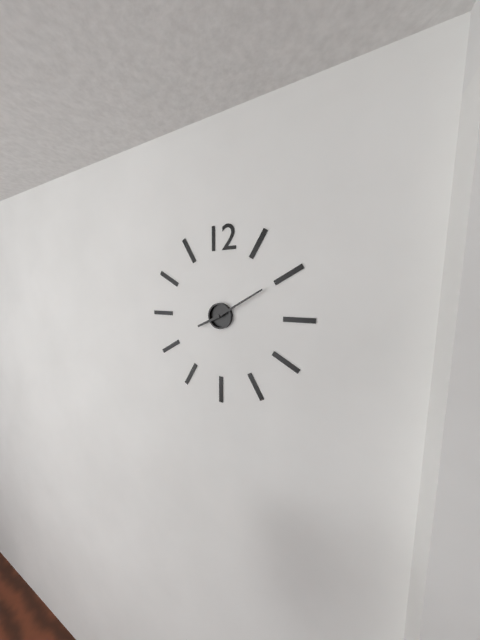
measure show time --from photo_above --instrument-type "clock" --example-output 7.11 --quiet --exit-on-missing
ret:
8.10
